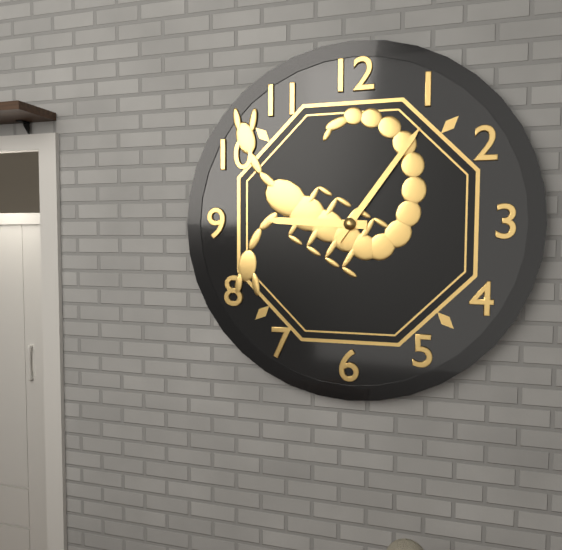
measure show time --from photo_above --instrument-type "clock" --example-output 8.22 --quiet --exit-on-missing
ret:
9.06
